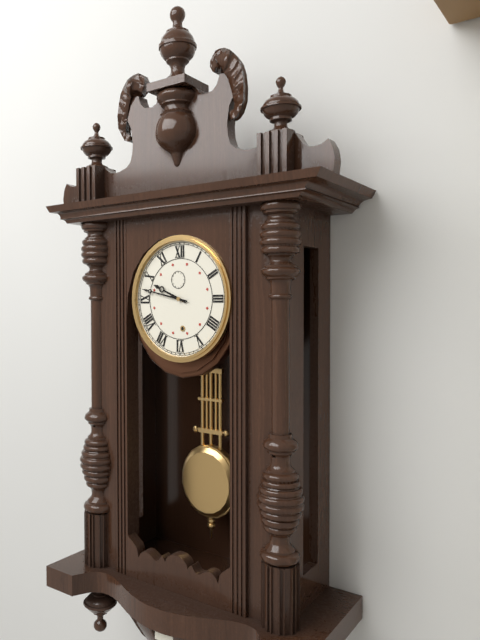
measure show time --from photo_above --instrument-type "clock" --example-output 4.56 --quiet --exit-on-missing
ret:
9.47
